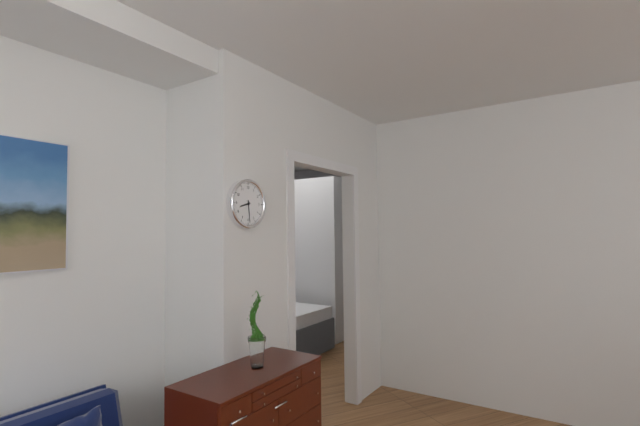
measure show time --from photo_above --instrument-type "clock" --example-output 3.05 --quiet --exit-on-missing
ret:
8.29
